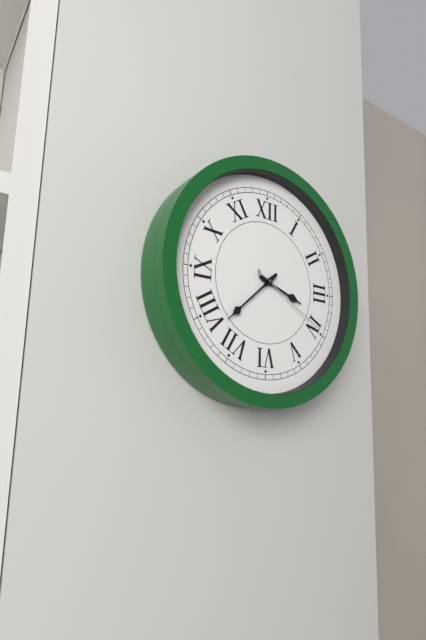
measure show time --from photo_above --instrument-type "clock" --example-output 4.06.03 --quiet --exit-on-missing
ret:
3.38.20
